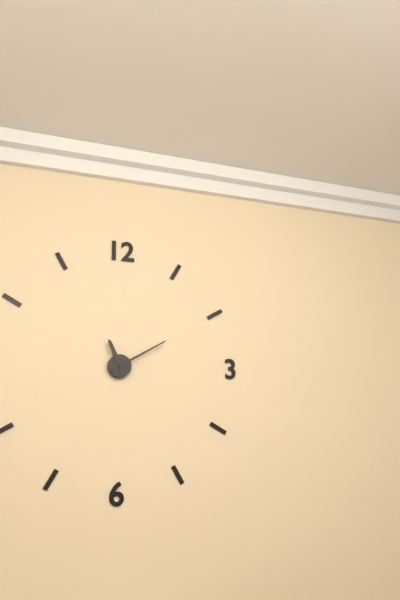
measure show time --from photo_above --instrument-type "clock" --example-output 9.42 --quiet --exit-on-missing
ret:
11.10
